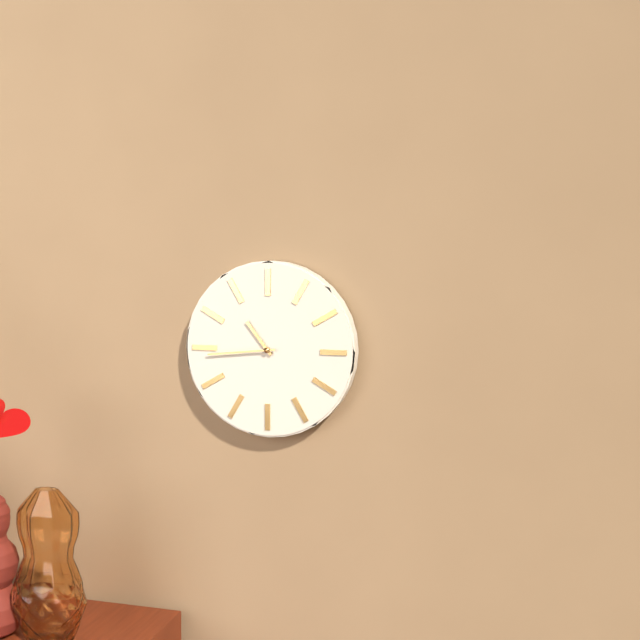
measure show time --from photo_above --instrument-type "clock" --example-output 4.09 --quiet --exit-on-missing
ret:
10.44
